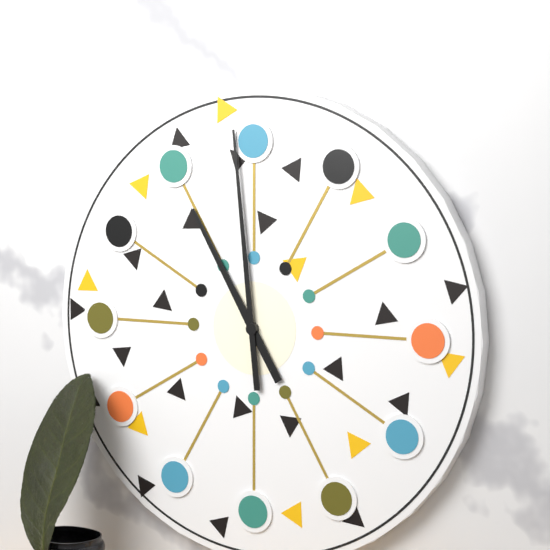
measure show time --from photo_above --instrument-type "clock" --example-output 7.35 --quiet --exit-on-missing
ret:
10.59
